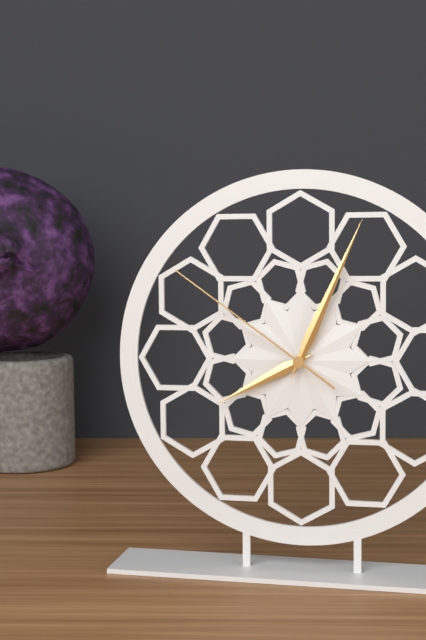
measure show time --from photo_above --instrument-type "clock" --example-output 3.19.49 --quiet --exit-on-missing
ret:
8.04.51
